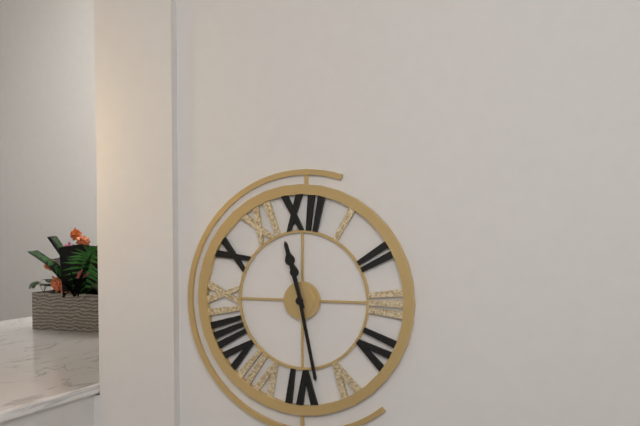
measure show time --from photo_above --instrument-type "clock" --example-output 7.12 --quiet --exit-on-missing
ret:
11.28
